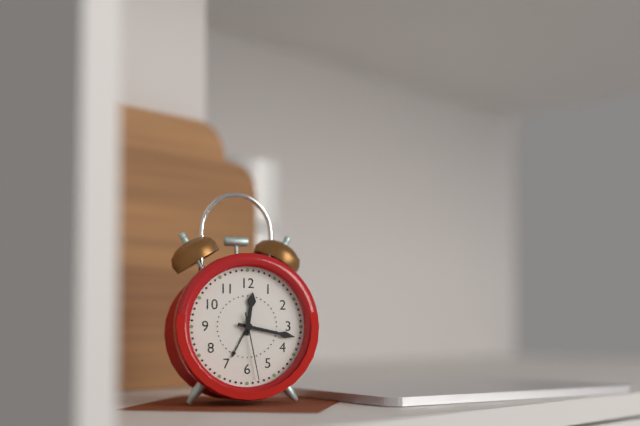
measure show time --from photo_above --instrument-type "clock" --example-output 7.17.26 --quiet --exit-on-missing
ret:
12.17.28
